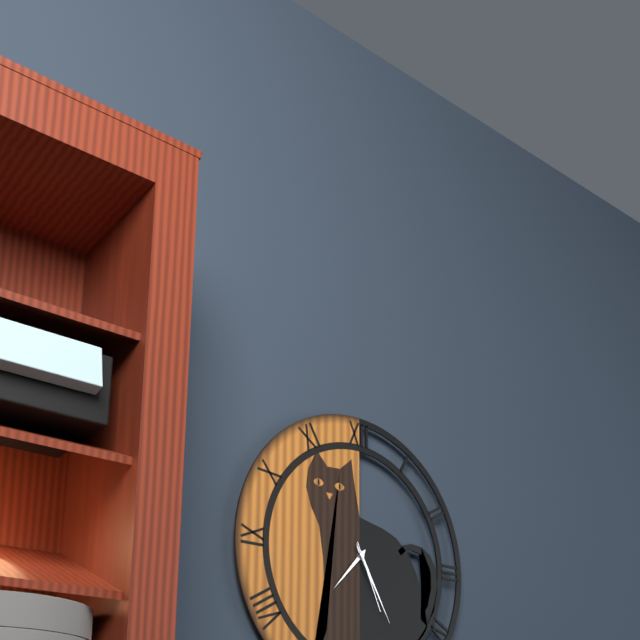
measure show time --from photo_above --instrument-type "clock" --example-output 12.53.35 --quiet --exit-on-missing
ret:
7.25.26
